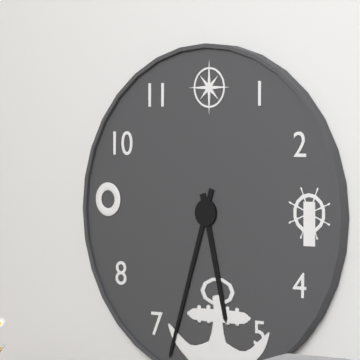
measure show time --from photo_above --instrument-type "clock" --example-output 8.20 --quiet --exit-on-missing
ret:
5.33
